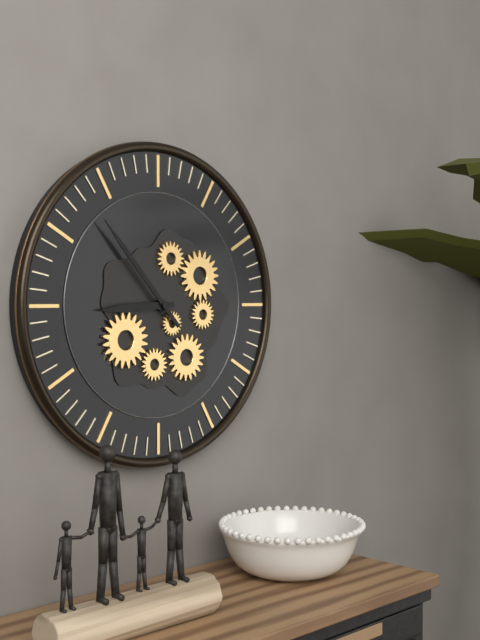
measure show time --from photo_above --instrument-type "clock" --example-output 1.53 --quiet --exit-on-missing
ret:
8.53
